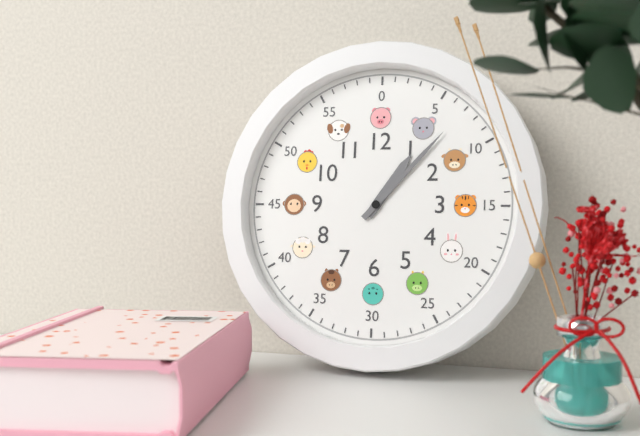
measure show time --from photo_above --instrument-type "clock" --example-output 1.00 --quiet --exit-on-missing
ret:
1.07
